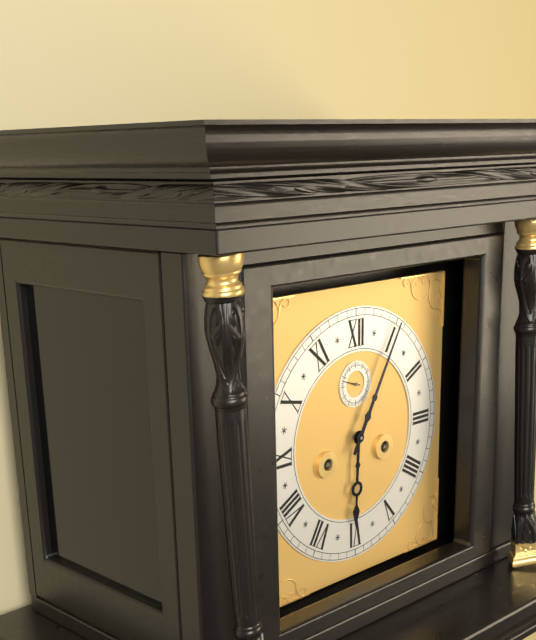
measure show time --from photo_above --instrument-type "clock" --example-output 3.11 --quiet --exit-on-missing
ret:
6.05
